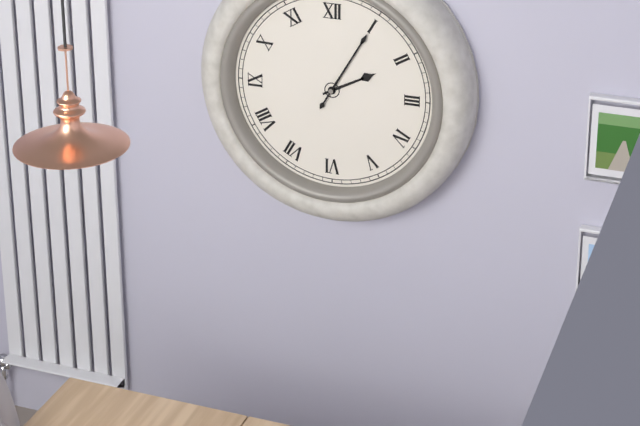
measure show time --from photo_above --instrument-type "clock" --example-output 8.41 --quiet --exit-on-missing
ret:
2.05
